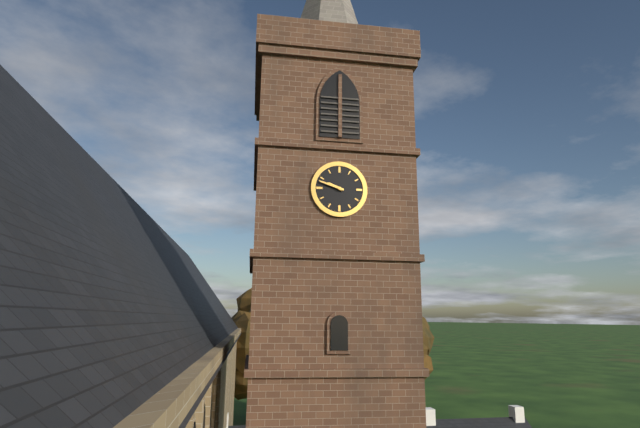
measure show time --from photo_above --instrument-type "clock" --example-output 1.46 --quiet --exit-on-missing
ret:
9.48
